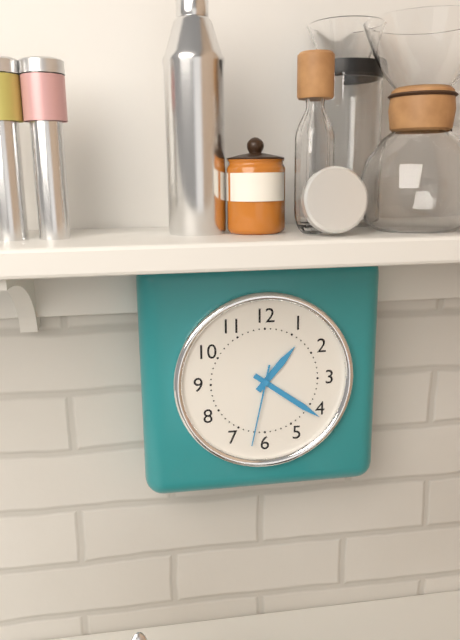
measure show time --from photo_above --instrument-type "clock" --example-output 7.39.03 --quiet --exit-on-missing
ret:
1.21.32
